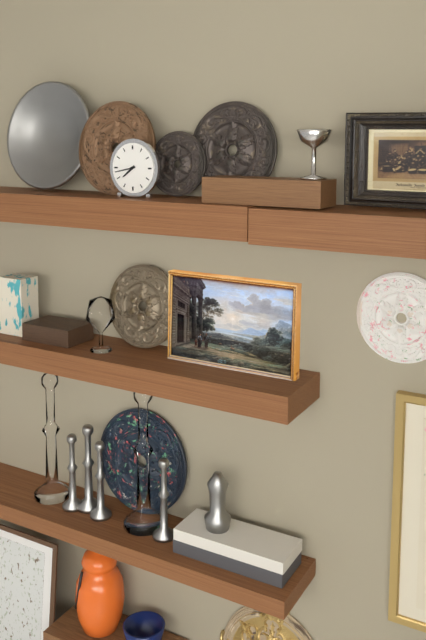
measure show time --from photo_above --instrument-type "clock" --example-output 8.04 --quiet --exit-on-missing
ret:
7.43
